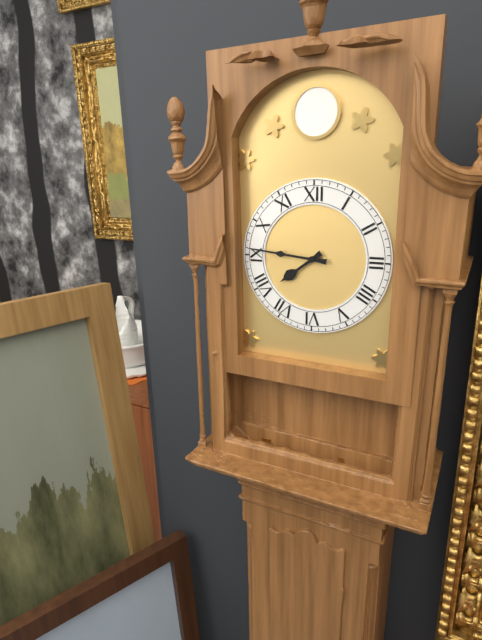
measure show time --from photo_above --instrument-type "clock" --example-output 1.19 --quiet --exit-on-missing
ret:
7.46
